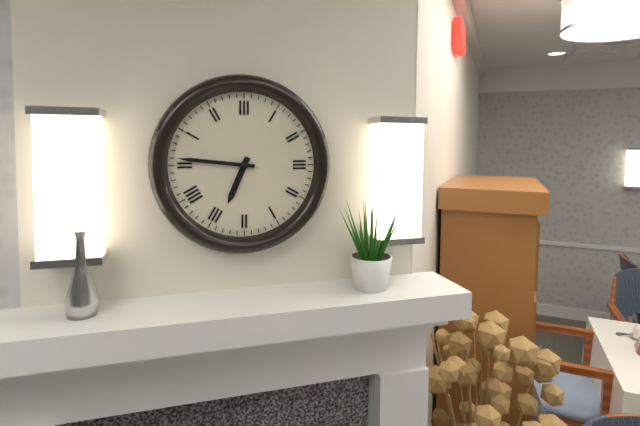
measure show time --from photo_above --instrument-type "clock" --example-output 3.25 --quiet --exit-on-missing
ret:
6.46
